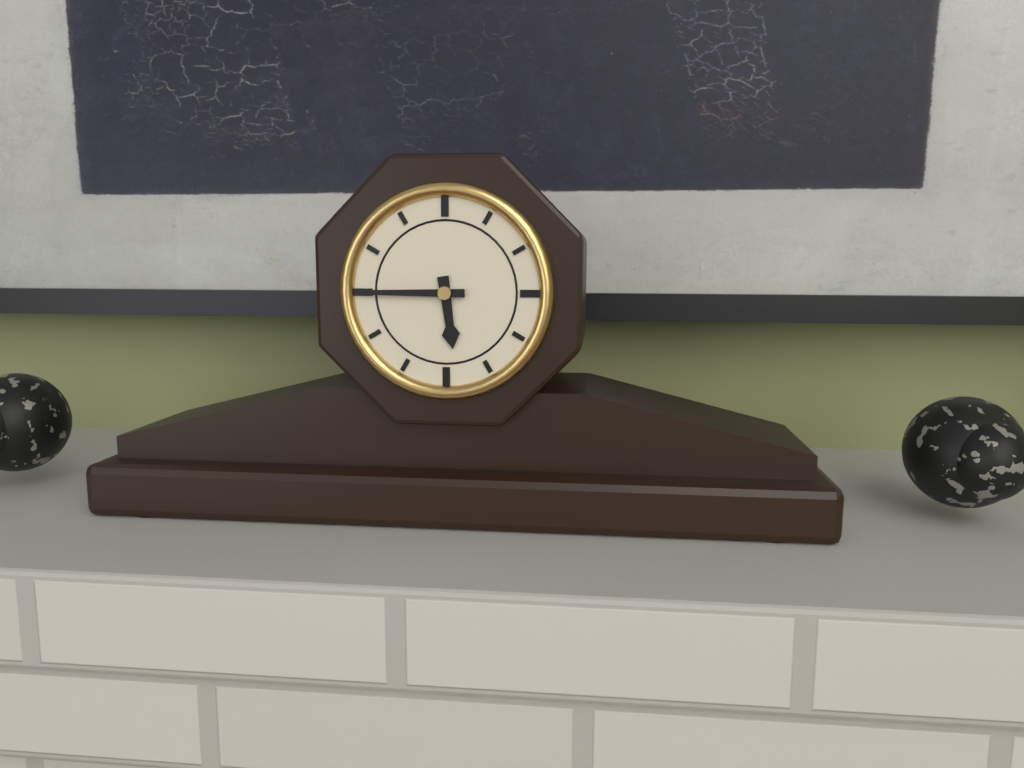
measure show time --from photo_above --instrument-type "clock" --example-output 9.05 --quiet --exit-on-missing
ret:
5.45
